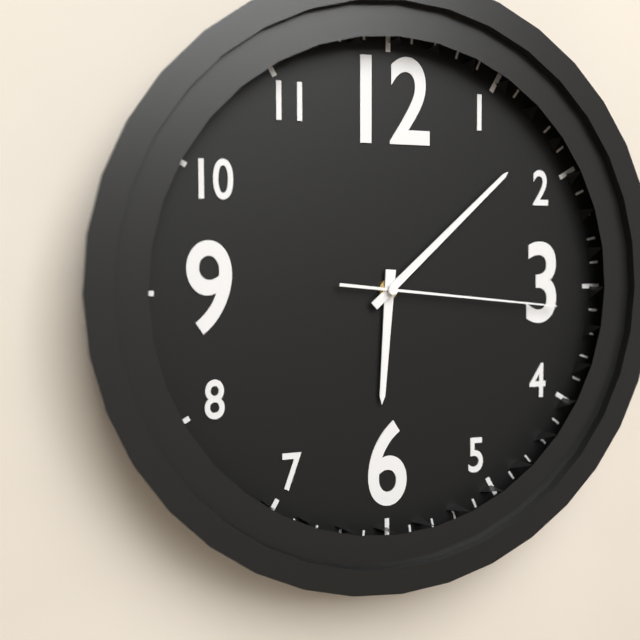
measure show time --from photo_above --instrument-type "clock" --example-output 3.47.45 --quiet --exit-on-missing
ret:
6.08.16
